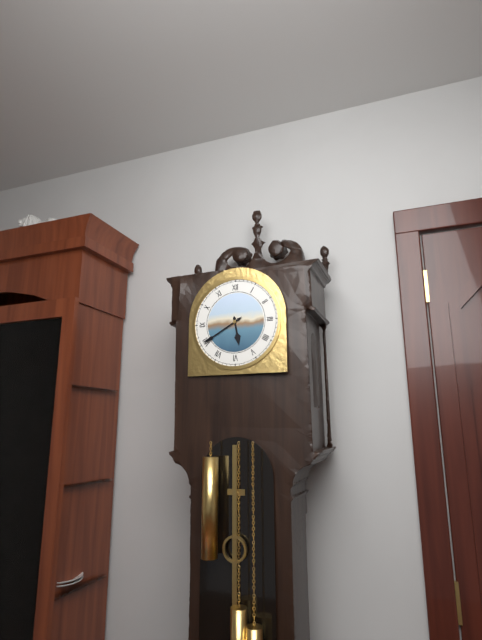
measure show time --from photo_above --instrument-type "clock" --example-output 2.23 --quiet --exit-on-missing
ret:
5.40
